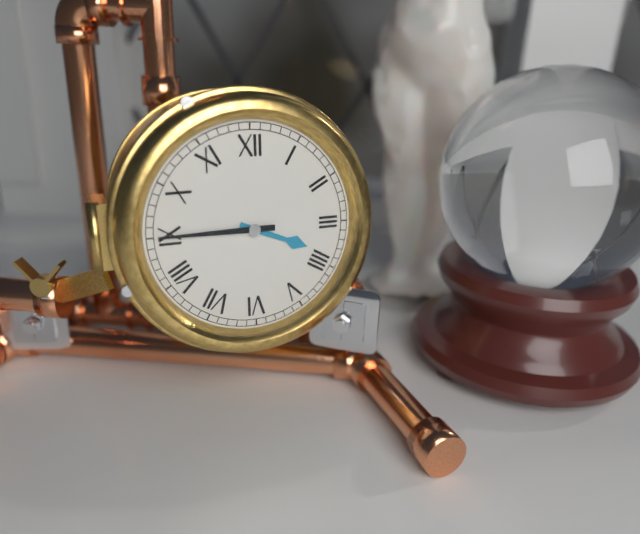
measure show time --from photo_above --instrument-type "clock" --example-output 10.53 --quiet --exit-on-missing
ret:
3.45
